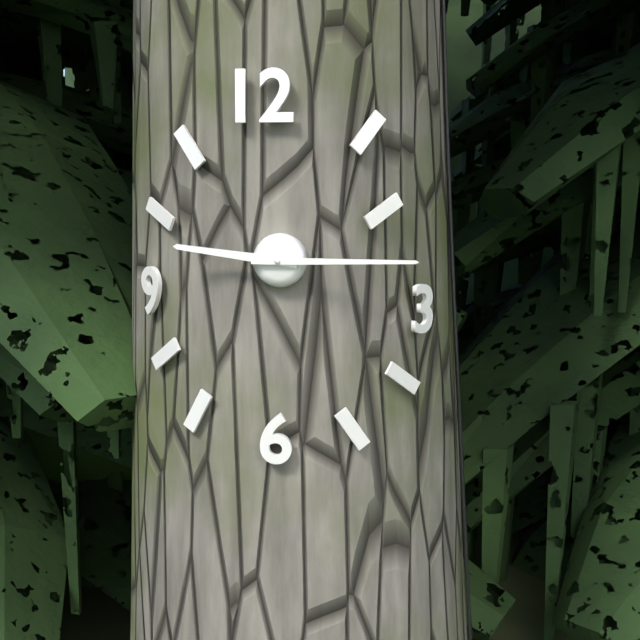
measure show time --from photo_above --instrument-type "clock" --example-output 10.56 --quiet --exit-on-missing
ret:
9.15
